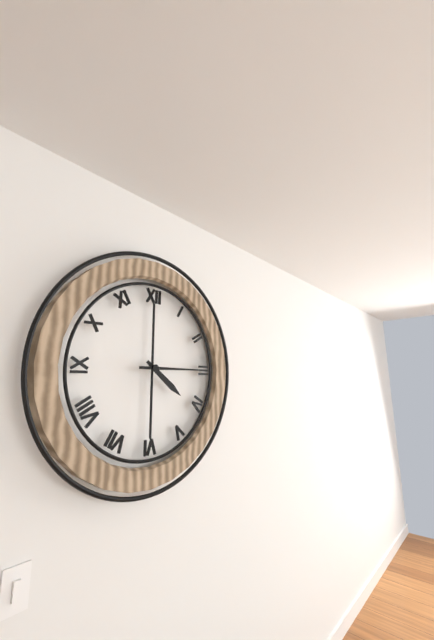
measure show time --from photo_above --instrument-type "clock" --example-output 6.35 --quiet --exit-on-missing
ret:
4.15
